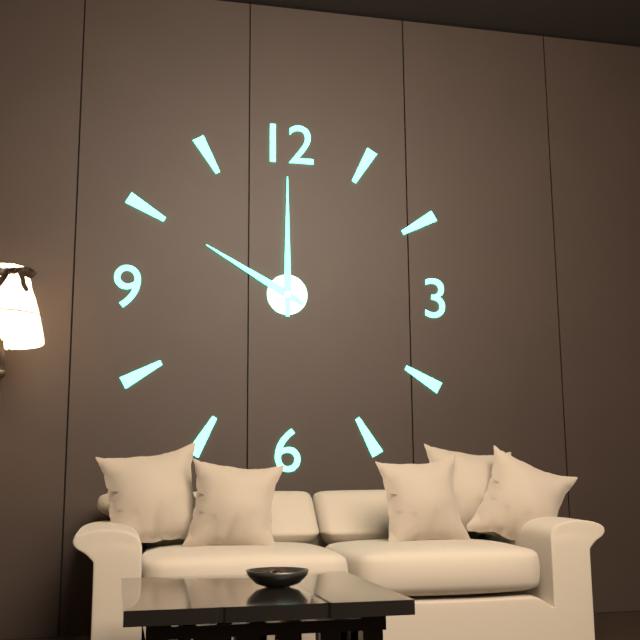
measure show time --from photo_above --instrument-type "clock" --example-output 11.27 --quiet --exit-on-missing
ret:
10.00
